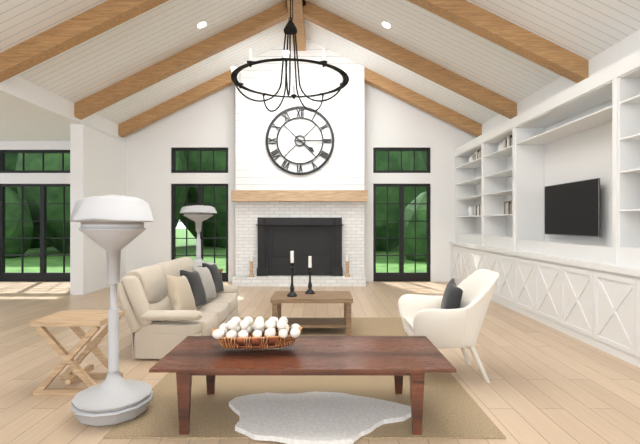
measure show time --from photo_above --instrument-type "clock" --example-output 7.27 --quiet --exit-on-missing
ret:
4.15
